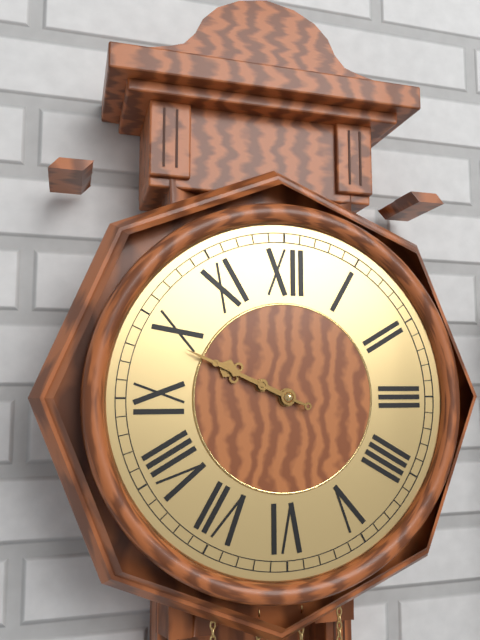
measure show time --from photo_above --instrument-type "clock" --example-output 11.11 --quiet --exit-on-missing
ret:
9.49
